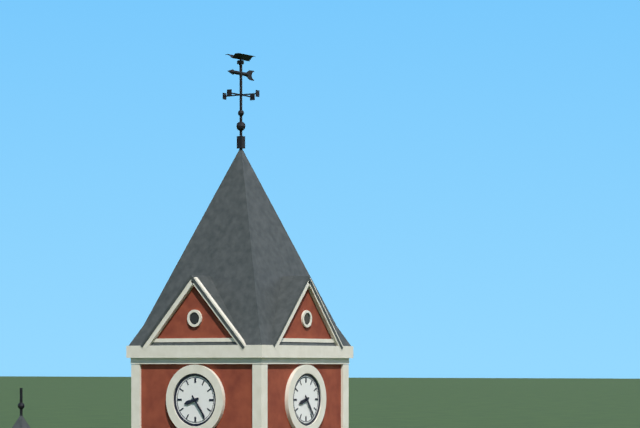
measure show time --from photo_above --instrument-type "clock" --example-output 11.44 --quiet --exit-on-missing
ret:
8.24
